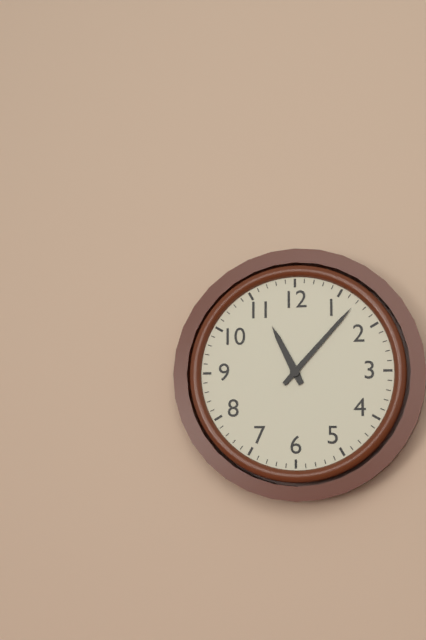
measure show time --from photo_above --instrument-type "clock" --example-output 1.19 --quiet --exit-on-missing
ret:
11.07
